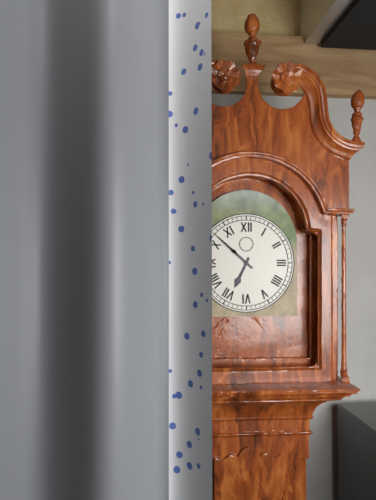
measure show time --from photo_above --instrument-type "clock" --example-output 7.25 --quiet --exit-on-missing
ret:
6.52
